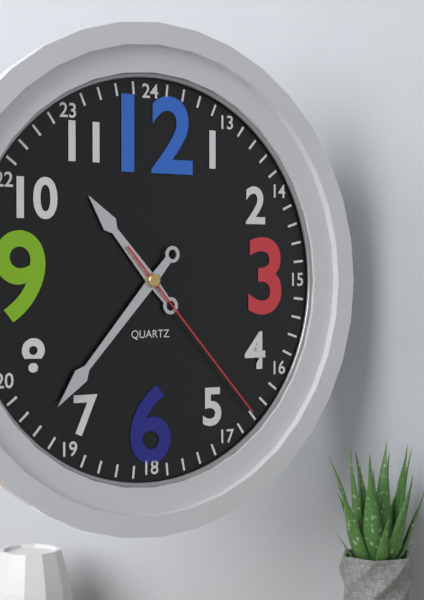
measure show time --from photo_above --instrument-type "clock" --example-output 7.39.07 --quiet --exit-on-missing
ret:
10.37.23
